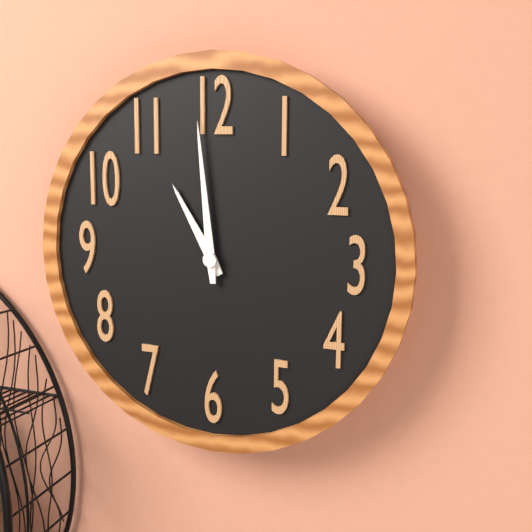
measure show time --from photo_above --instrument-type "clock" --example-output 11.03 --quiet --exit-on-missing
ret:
10.59
